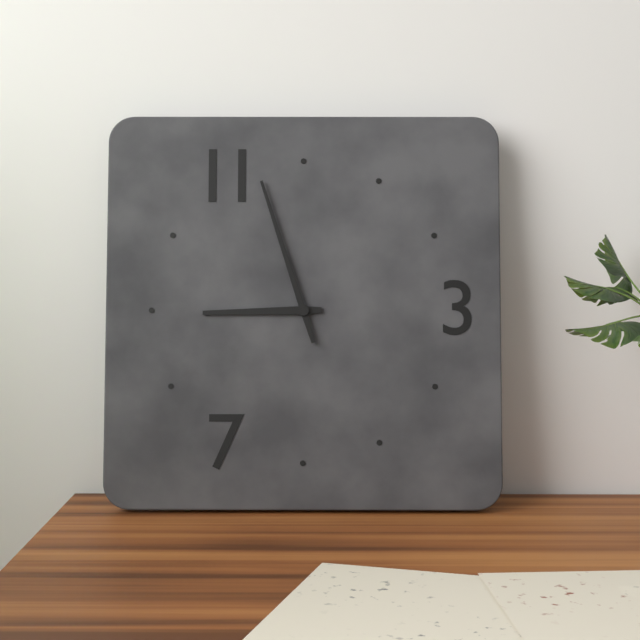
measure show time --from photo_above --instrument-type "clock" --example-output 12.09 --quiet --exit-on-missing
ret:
8.57
